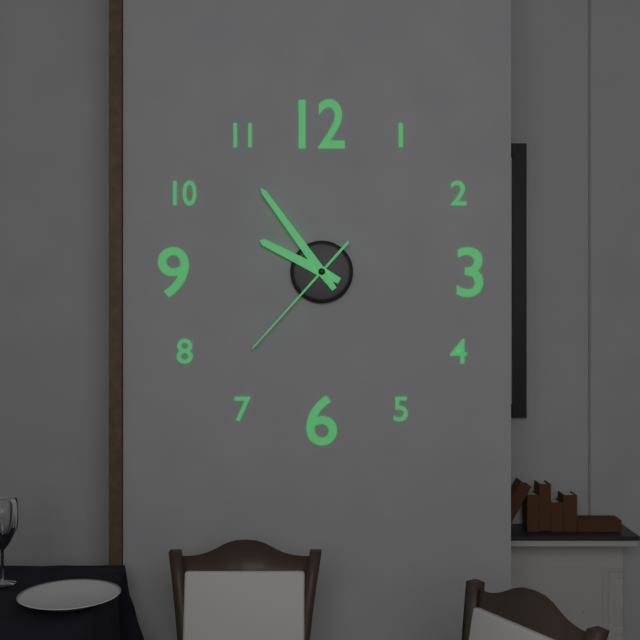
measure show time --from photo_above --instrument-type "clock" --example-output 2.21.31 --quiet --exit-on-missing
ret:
9.54.37
